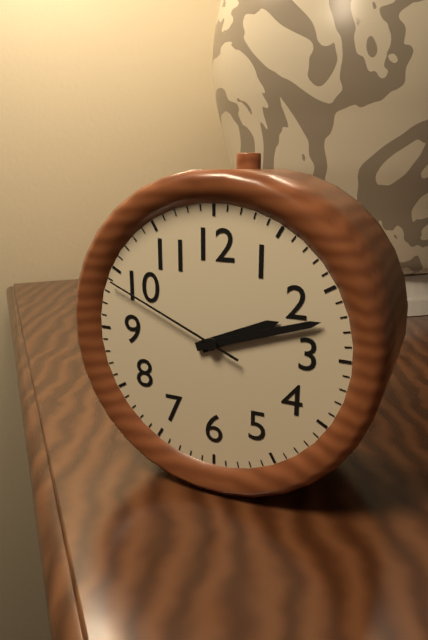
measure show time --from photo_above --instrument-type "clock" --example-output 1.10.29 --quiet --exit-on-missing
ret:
2.12.49
